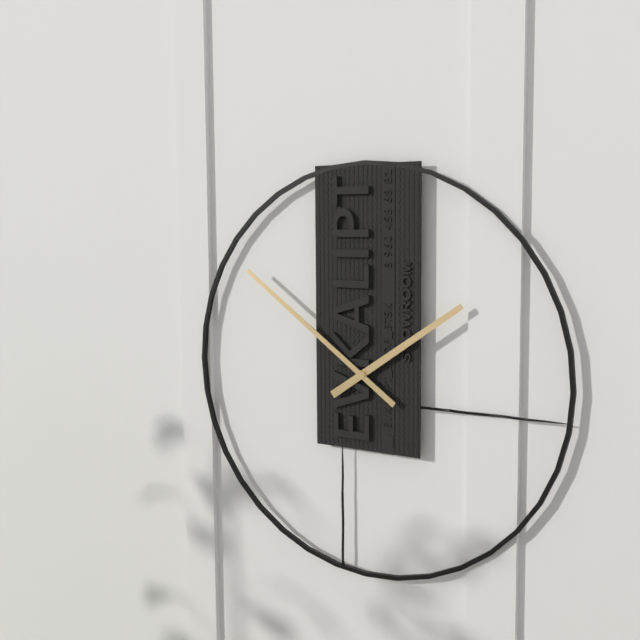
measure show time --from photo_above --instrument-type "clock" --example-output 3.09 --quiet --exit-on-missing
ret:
1.51
